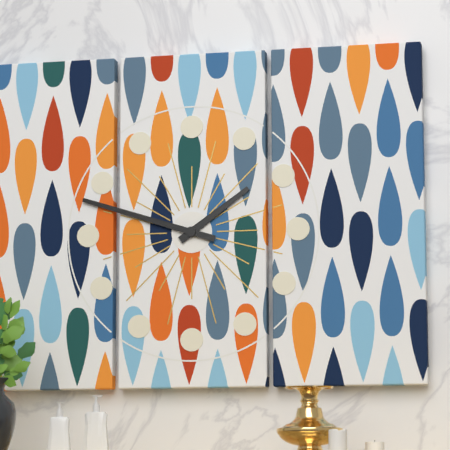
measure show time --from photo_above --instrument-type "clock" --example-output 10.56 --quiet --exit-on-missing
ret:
1.48
